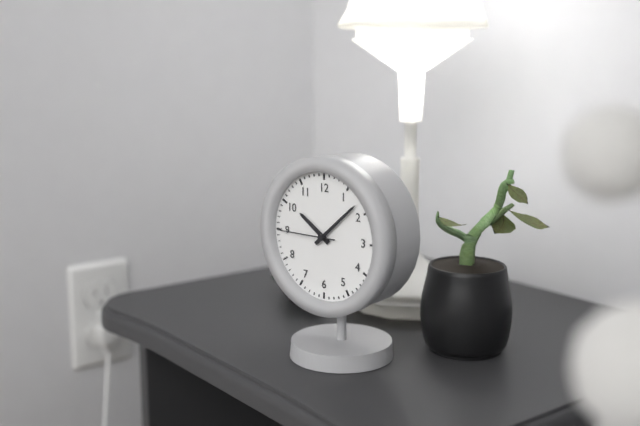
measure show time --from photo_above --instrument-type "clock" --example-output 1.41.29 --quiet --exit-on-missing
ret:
10.08.45
